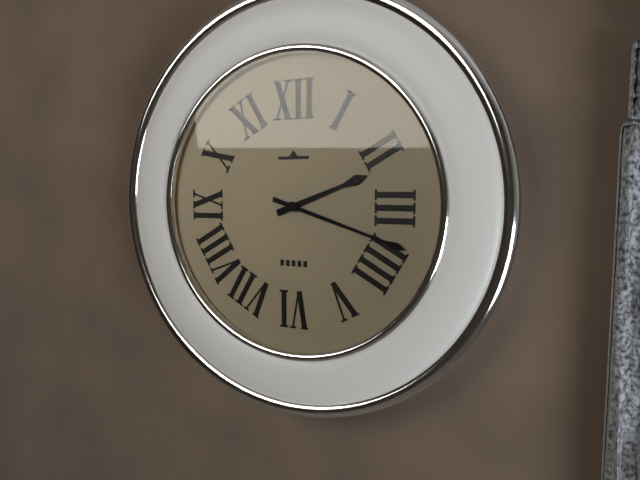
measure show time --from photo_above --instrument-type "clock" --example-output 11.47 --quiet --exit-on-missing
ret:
2.18
